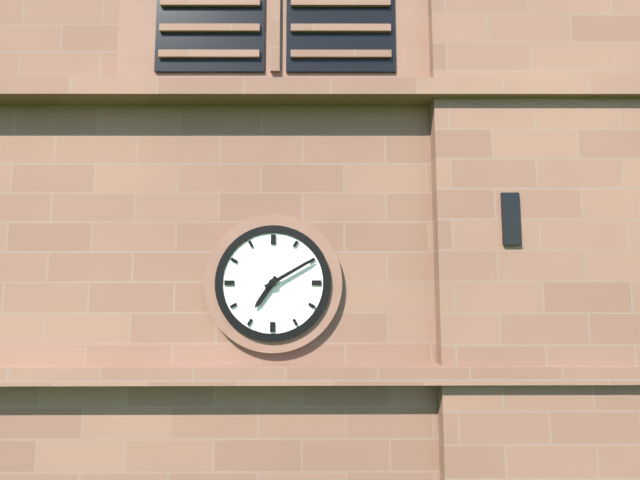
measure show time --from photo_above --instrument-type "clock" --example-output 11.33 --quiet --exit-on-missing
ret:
7.10
